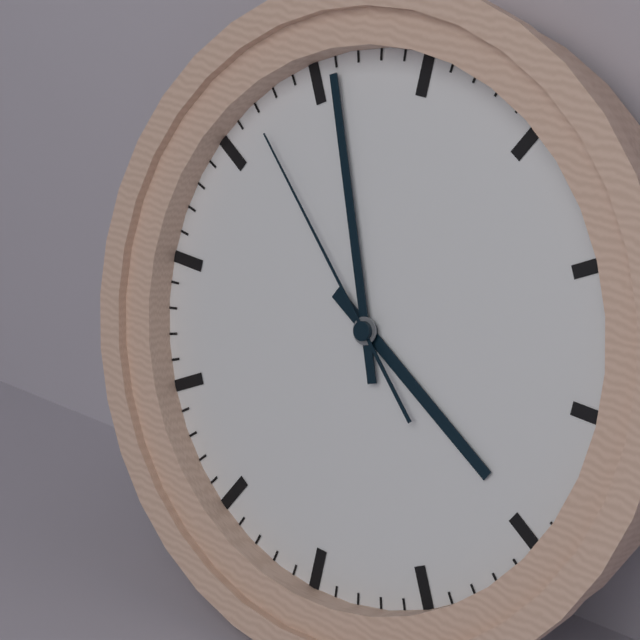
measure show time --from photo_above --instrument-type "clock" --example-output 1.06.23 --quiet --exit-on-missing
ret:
3.56.52
